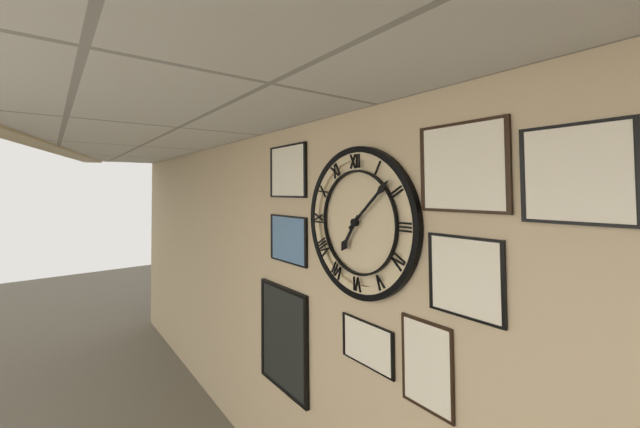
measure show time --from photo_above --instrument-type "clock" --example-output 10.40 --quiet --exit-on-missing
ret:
7.08
